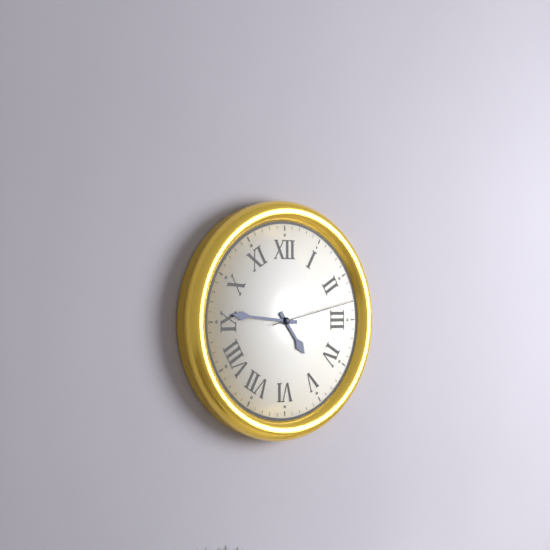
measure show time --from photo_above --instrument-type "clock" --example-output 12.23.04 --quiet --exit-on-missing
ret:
4.46.13
